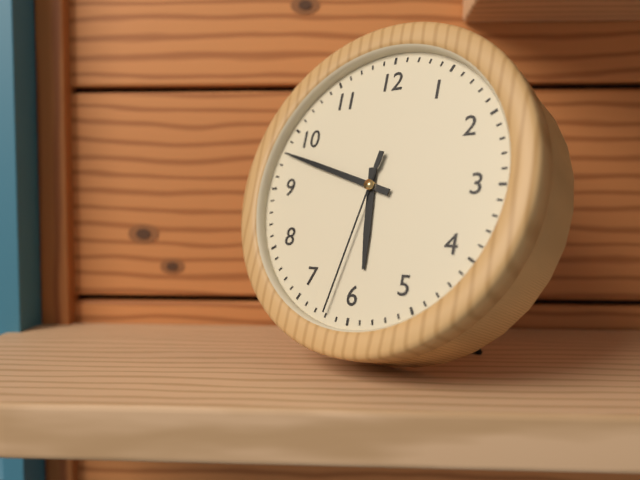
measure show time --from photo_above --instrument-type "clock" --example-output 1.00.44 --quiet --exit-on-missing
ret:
5.48.32
